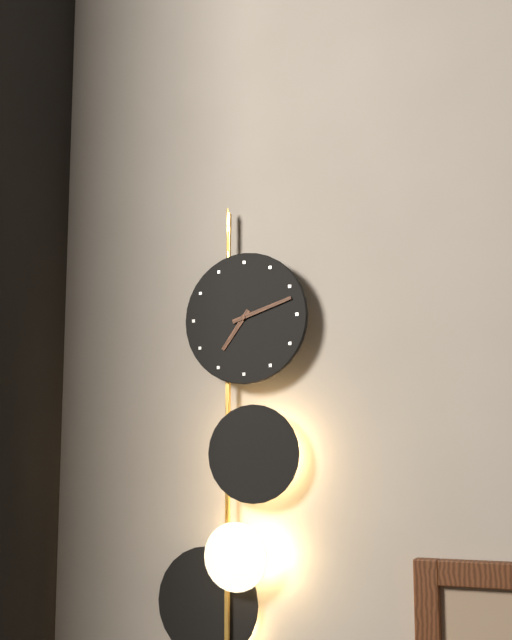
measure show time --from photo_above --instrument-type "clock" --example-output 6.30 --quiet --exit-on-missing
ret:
7.12
